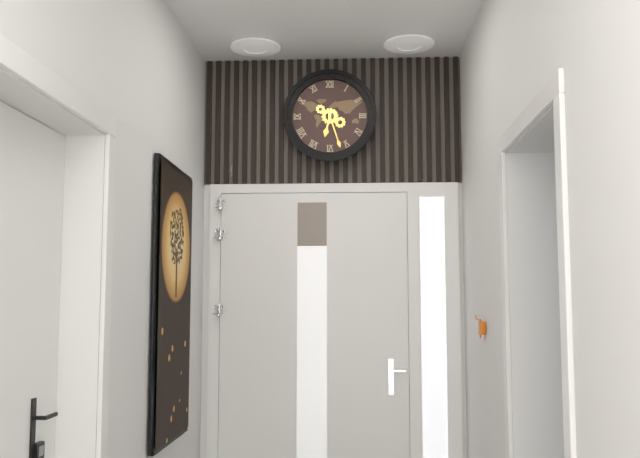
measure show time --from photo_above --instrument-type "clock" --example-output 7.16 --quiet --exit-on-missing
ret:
6.27
